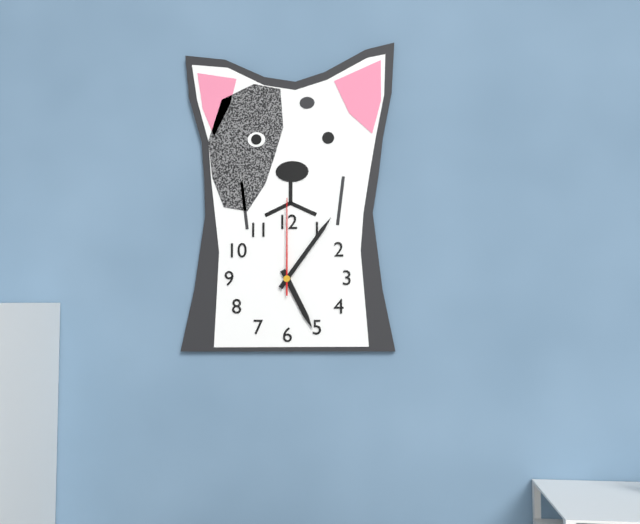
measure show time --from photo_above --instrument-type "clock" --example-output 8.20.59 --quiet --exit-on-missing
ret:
5.06.00
